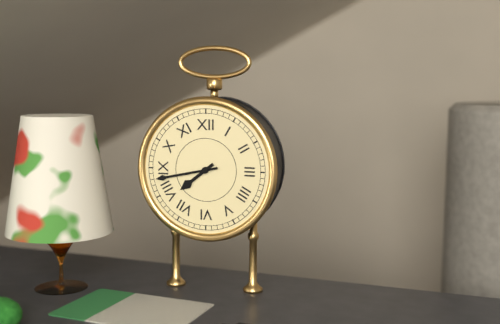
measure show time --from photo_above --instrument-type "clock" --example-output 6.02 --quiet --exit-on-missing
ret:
7.43
